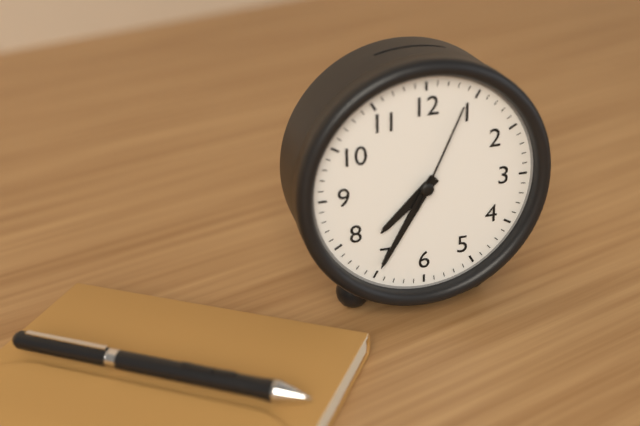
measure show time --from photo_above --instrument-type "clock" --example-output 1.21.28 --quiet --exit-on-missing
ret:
7.35.04
